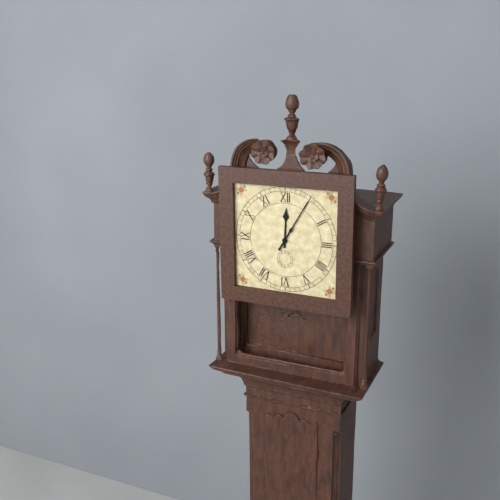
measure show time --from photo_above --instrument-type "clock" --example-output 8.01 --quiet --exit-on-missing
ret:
12.05
